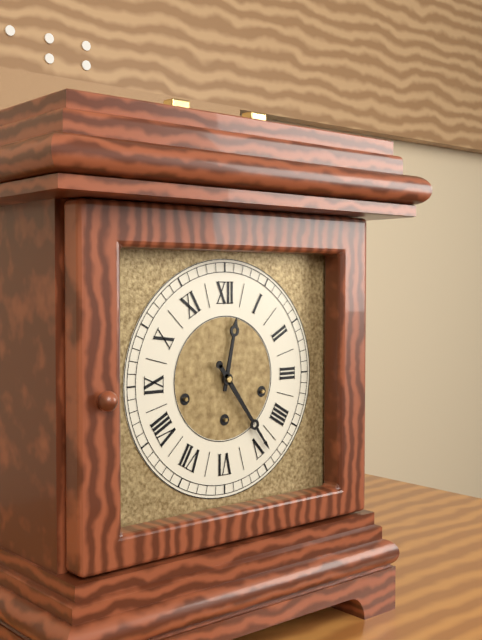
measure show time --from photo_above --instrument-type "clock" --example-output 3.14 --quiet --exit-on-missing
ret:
12.24
